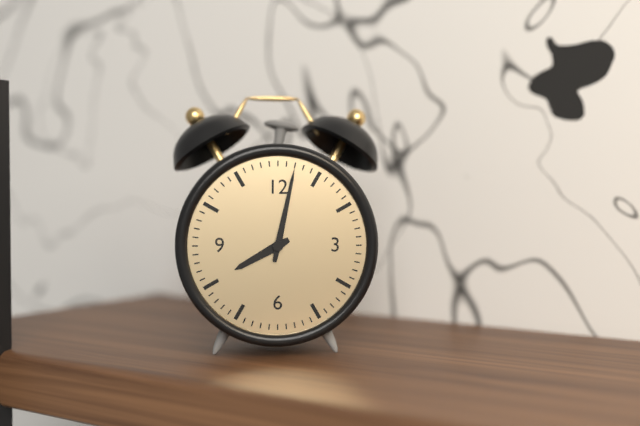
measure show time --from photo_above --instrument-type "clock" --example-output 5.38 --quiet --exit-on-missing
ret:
8.02
